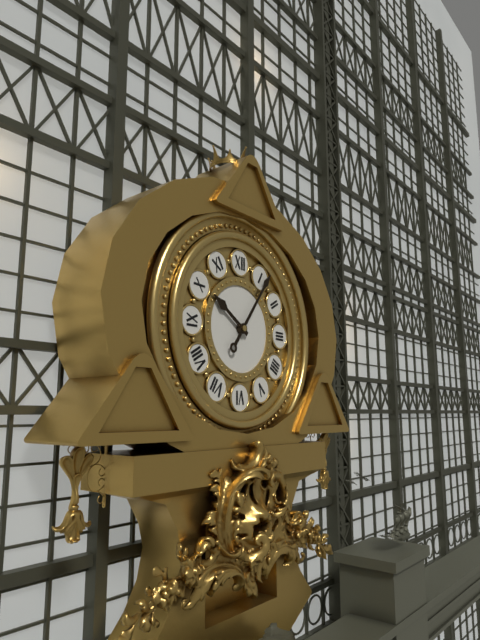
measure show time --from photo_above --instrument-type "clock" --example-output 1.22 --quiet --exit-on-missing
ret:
10.06
